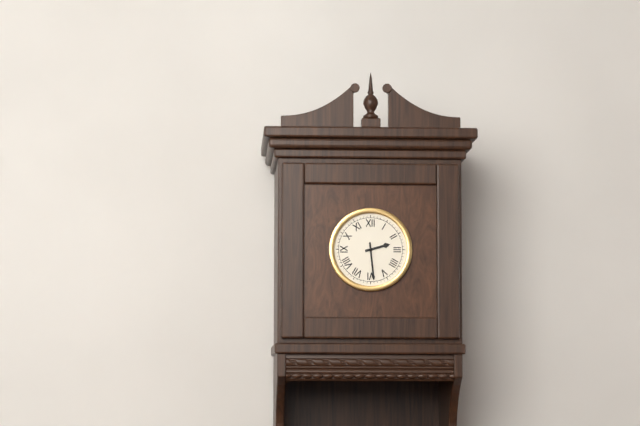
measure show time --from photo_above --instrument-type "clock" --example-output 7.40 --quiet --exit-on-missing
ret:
2.29
